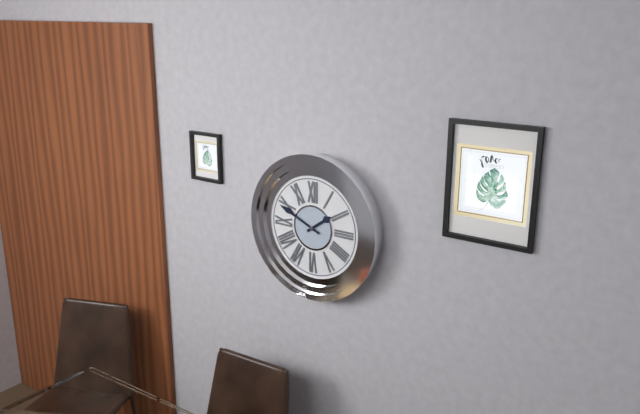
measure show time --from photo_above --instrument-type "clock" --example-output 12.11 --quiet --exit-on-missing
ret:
1.49
